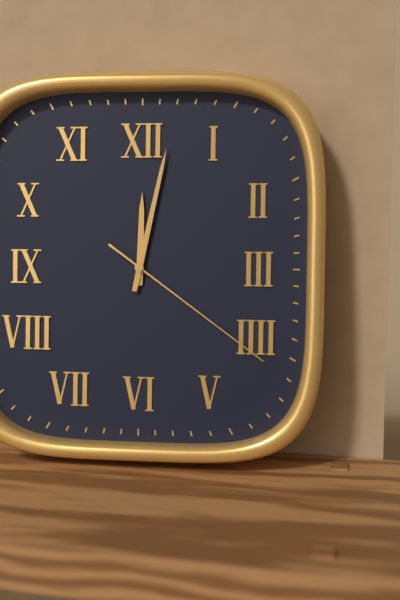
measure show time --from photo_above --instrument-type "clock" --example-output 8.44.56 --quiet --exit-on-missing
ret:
12.02.21
